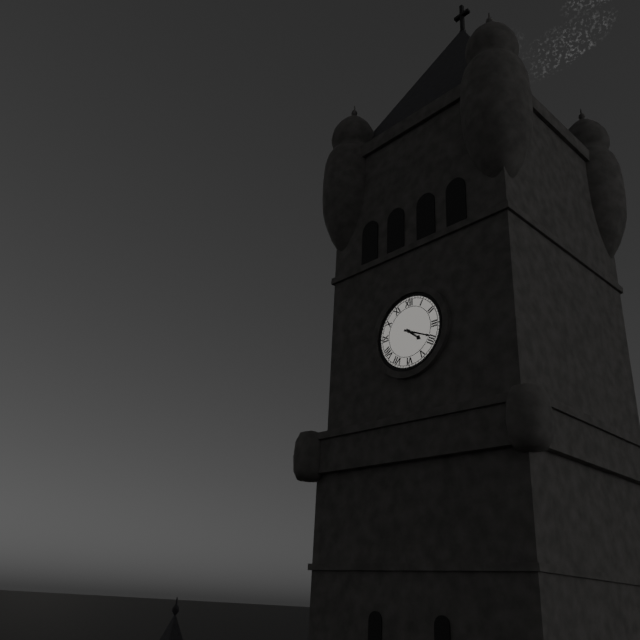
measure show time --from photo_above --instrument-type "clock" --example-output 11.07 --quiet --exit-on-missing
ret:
4.19
